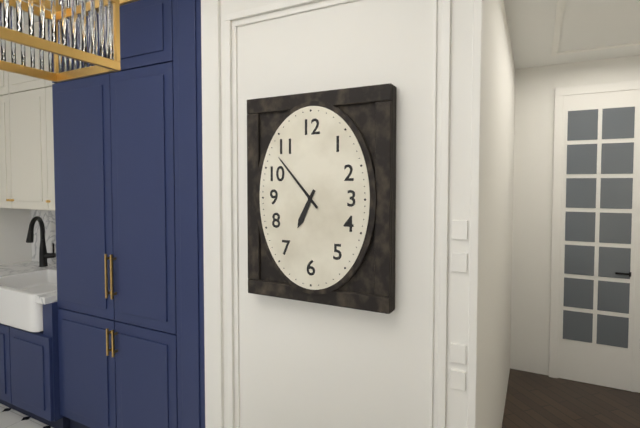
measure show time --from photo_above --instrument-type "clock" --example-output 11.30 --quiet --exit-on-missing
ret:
6.53
